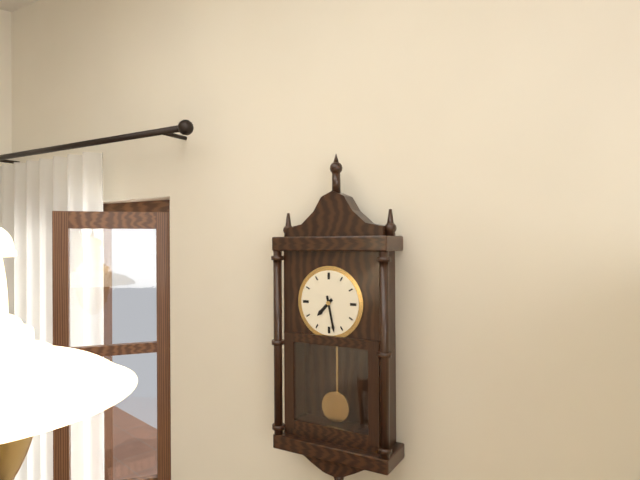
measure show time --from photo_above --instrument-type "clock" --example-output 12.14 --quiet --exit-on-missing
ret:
7.28
